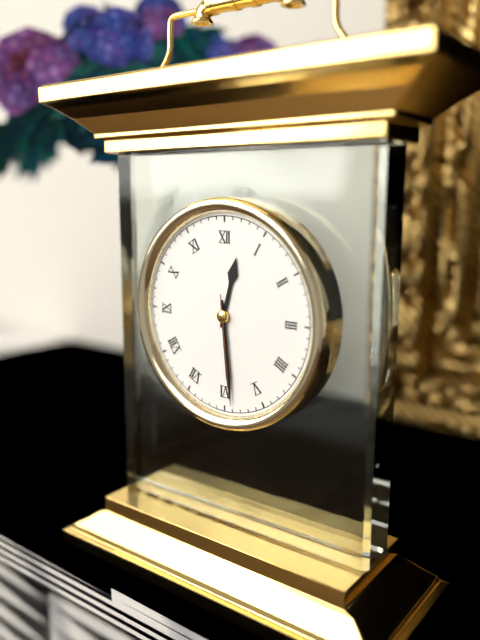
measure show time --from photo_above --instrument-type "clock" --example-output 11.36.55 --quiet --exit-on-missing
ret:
12.29.29
